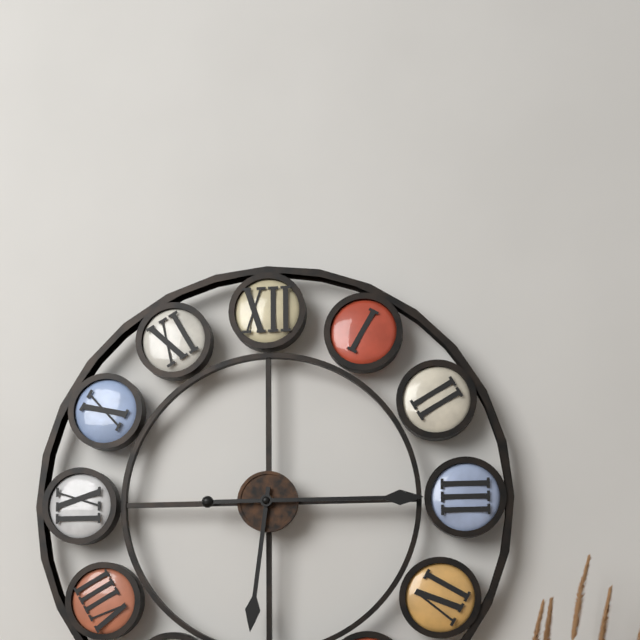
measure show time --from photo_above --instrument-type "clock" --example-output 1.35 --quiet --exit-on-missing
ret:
6.15
